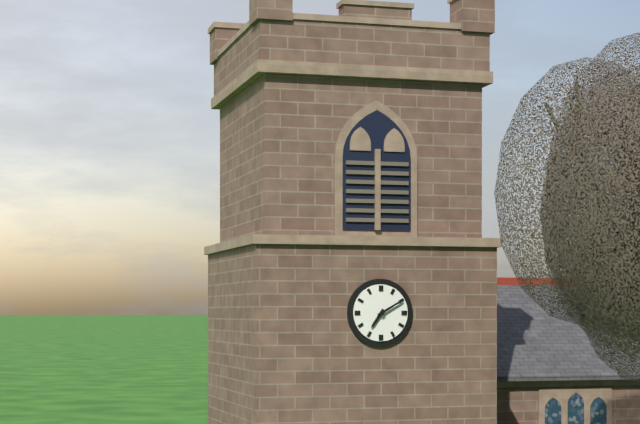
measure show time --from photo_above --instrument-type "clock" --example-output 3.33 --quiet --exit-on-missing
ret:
7.10
